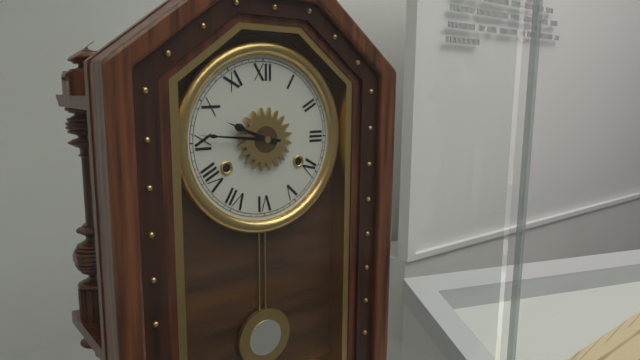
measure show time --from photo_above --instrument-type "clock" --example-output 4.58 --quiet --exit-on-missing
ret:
9.46
